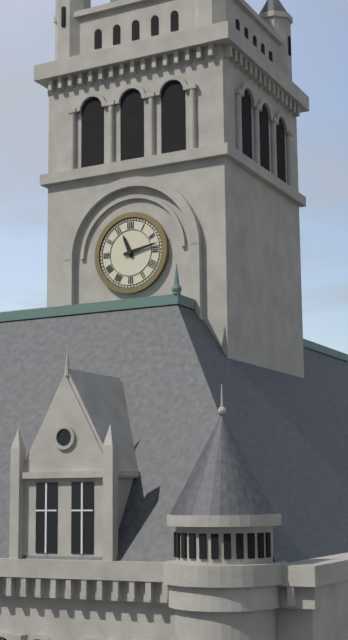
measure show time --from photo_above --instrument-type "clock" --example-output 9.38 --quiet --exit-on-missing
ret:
11.13
